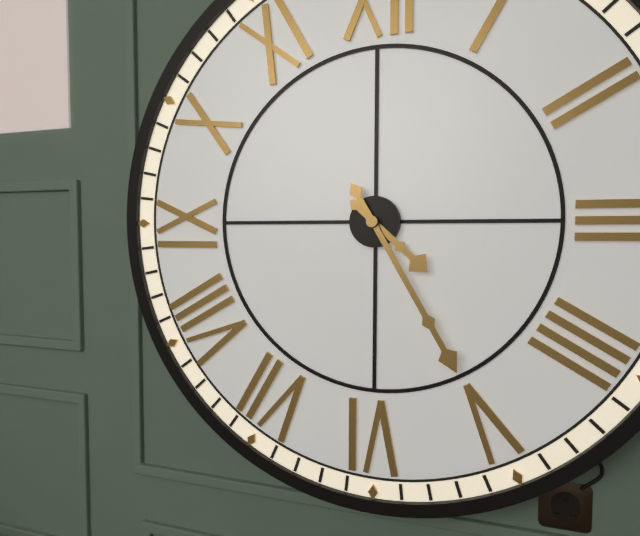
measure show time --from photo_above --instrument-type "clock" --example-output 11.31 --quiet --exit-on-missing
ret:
4.25
